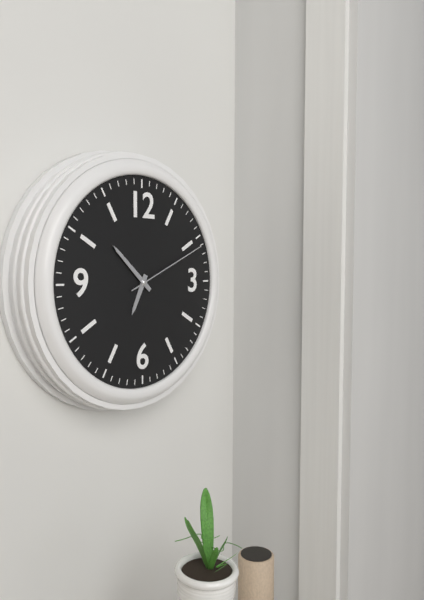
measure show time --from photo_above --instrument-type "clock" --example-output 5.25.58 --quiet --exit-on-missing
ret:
6.52.11
